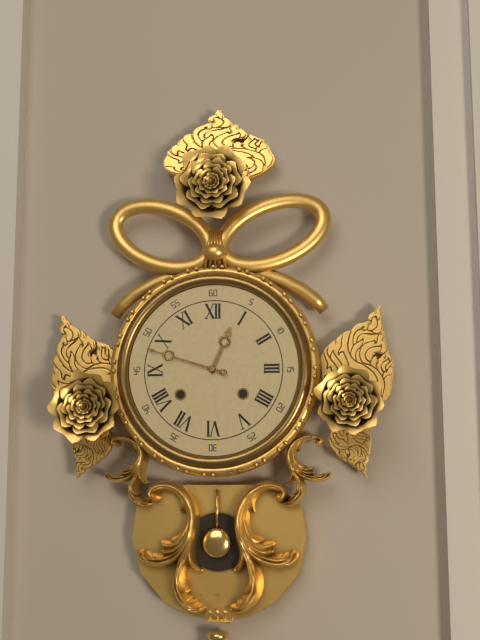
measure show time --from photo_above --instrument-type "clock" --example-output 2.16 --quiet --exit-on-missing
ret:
12.48
